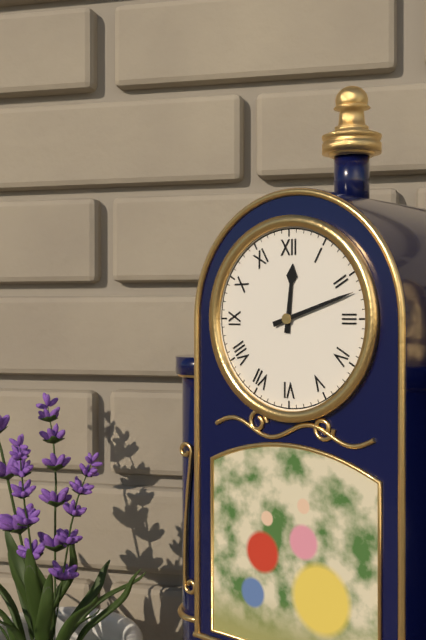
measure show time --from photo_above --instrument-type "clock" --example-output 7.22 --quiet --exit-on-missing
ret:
12.12
